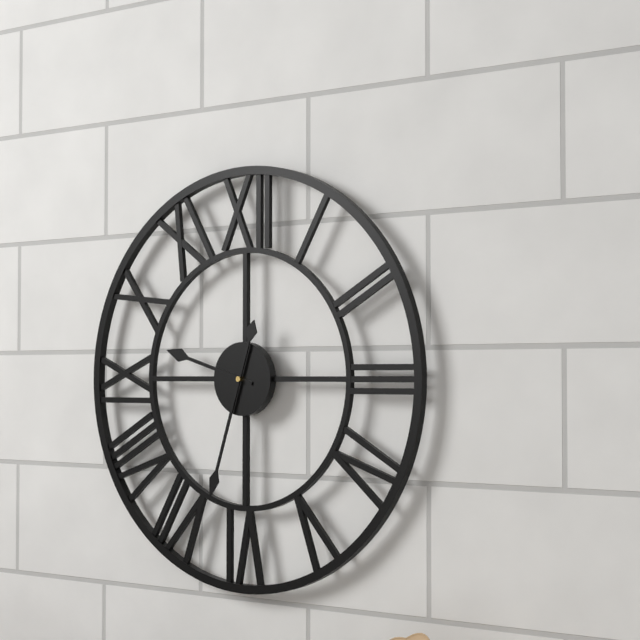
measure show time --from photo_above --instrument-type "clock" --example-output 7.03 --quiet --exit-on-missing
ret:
9.33
